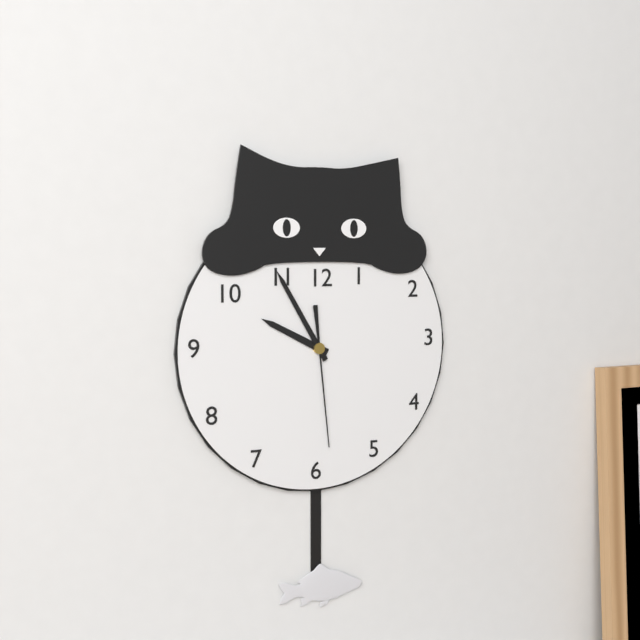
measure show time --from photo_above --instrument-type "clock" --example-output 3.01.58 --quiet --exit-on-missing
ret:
9.55.29
